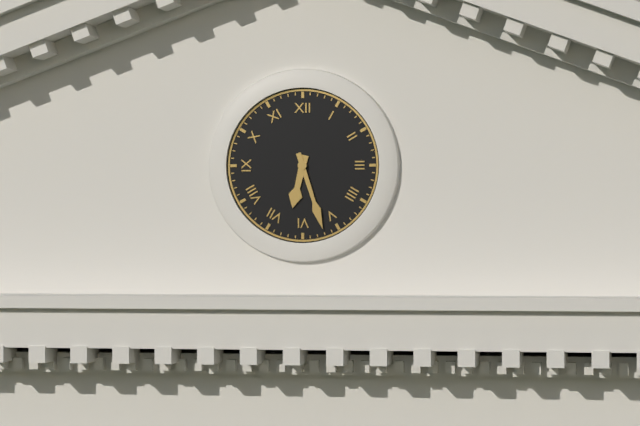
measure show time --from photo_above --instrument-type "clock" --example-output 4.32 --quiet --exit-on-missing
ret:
6.27
